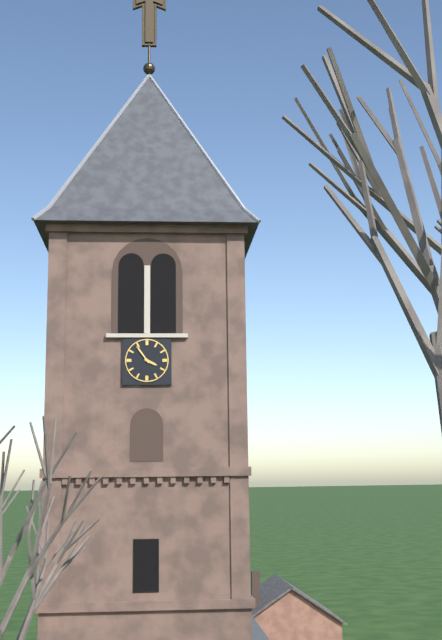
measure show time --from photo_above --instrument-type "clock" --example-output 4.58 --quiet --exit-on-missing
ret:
3.54
